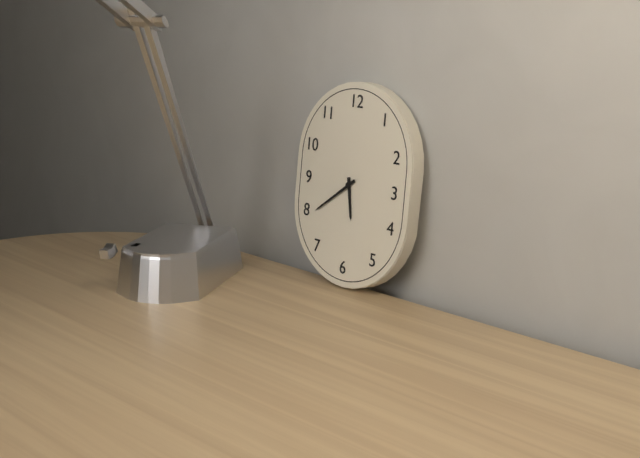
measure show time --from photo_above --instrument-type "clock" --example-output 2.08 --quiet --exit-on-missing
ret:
5.39
